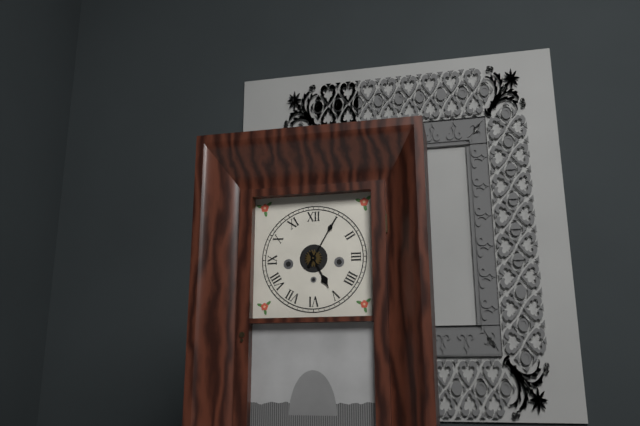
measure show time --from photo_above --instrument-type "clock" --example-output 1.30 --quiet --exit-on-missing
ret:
5.05
